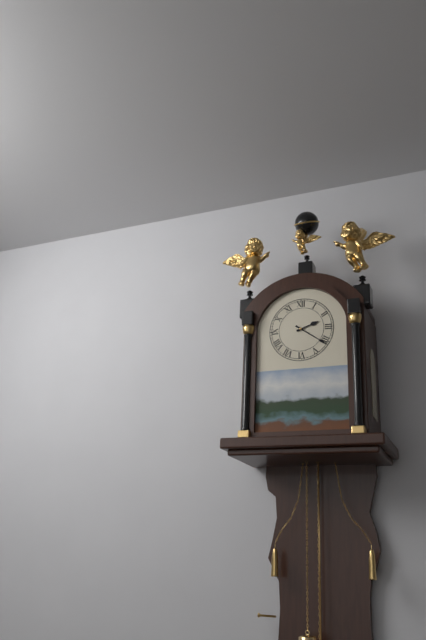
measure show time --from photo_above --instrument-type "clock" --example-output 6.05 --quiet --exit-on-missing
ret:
2.21
